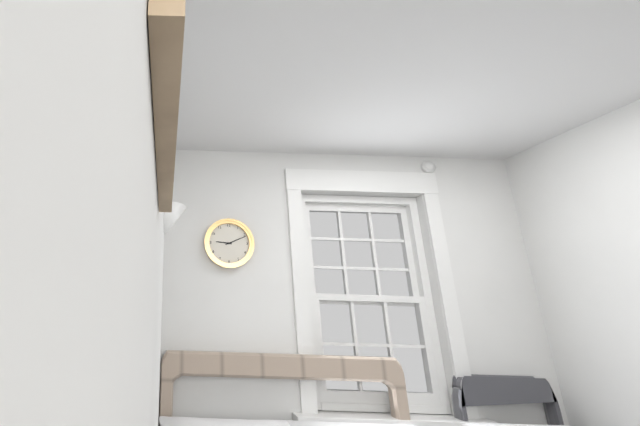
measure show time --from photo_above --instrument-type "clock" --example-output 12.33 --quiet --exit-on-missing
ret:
9.11
